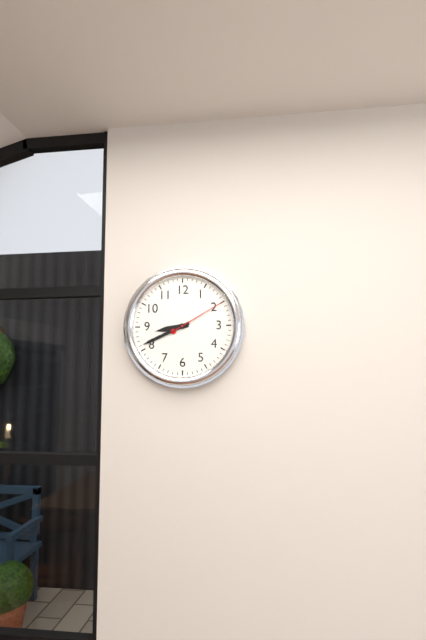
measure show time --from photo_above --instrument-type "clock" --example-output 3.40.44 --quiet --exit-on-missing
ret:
8.41.10
